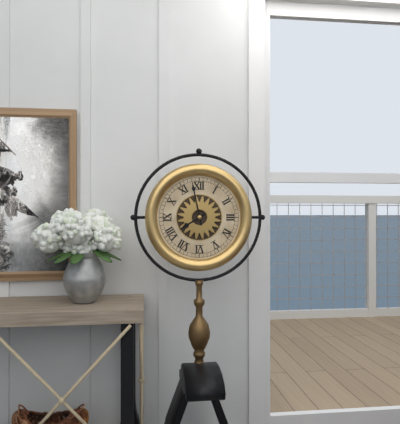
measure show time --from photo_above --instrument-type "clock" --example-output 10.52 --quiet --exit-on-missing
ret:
7.58
